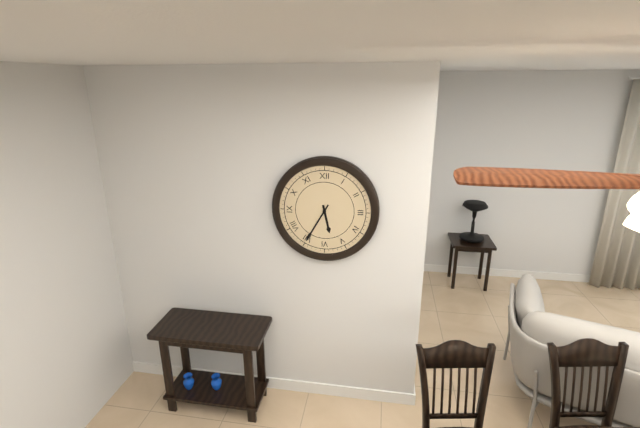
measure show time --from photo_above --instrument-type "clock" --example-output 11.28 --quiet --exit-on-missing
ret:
5.35
